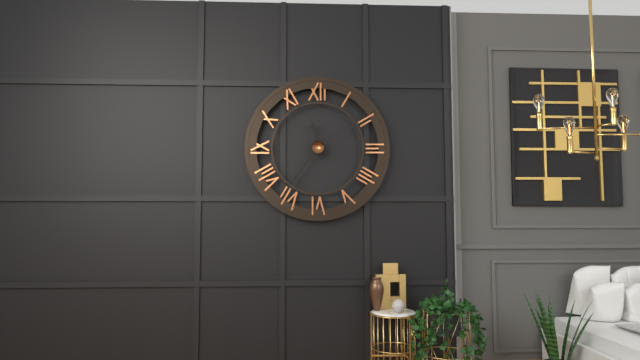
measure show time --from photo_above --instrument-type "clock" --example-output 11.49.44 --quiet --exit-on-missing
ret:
11.36.09
